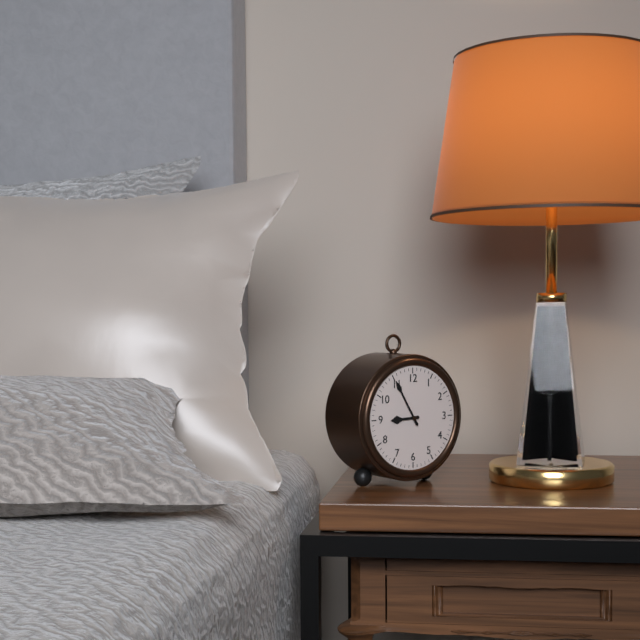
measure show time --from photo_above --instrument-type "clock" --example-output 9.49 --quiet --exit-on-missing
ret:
8.55
